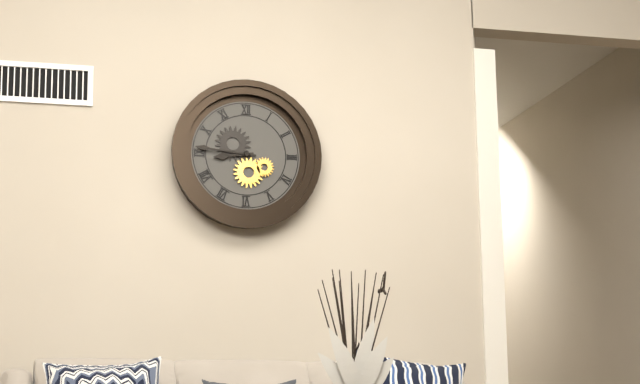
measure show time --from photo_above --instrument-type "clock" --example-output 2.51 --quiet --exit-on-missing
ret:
8.46
